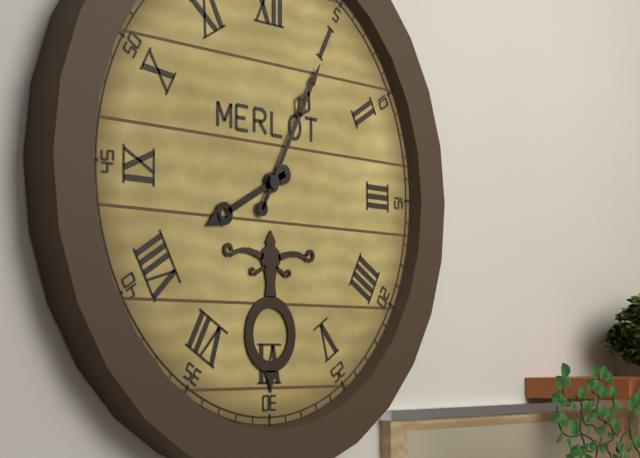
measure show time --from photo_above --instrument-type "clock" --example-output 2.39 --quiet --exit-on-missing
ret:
8.05
